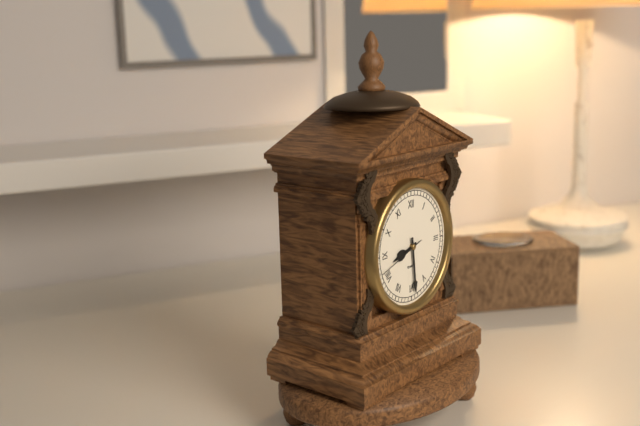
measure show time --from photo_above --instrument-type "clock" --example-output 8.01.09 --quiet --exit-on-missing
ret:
8.29.42
